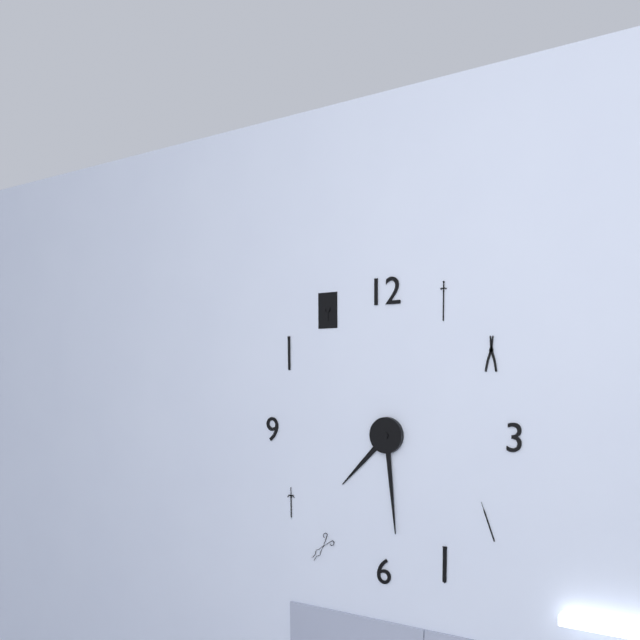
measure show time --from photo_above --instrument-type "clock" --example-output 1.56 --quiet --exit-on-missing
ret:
7.29
